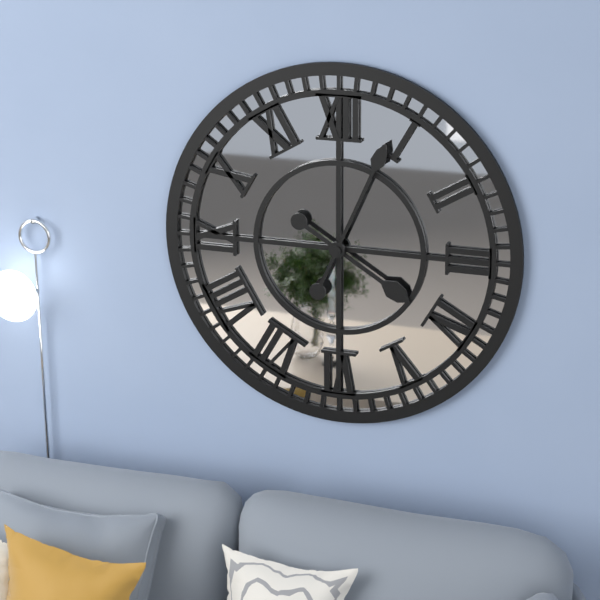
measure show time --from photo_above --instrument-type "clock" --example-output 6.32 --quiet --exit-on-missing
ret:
4.04
